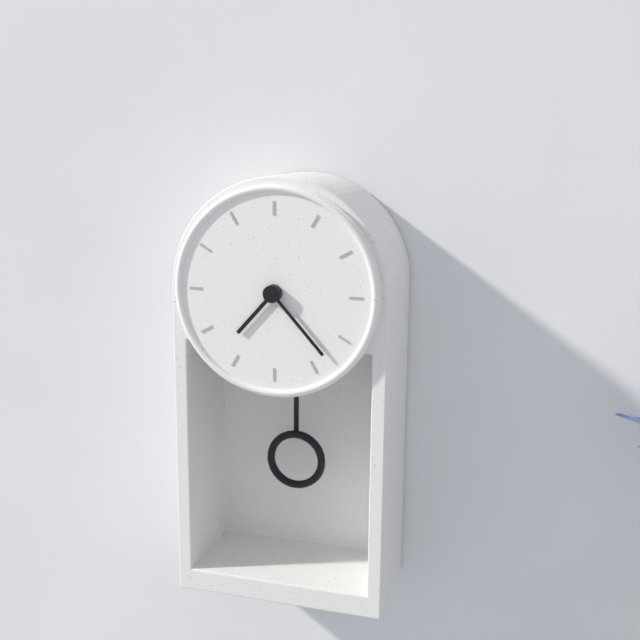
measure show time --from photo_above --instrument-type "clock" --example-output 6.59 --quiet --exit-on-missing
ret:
7.23
